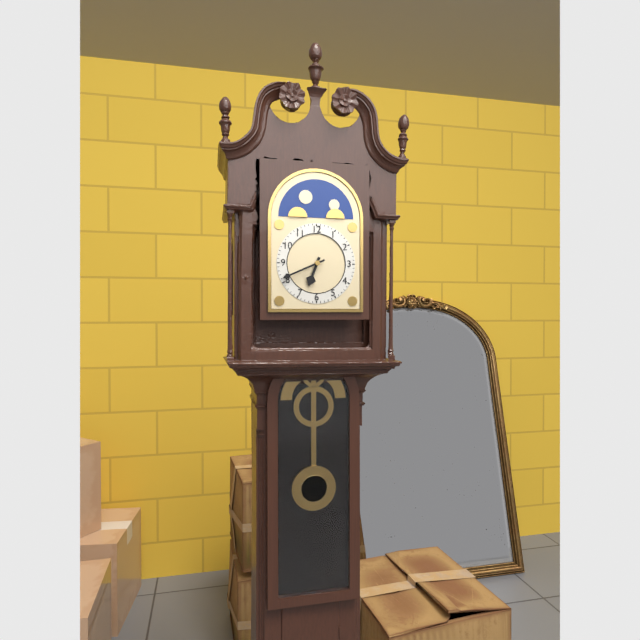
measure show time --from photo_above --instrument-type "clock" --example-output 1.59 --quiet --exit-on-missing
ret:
6.41
